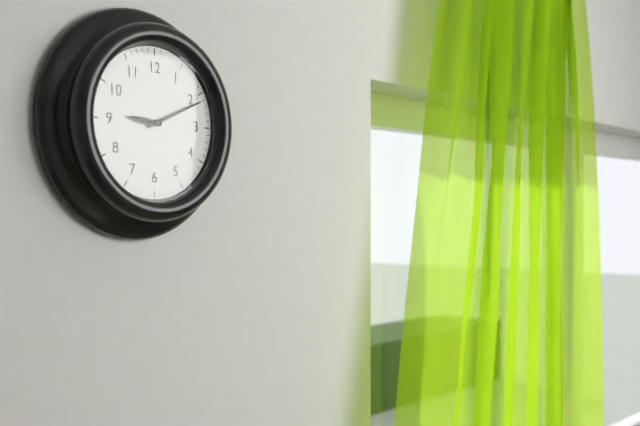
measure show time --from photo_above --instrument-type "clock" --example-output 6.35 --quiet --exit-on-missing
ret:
9.11
